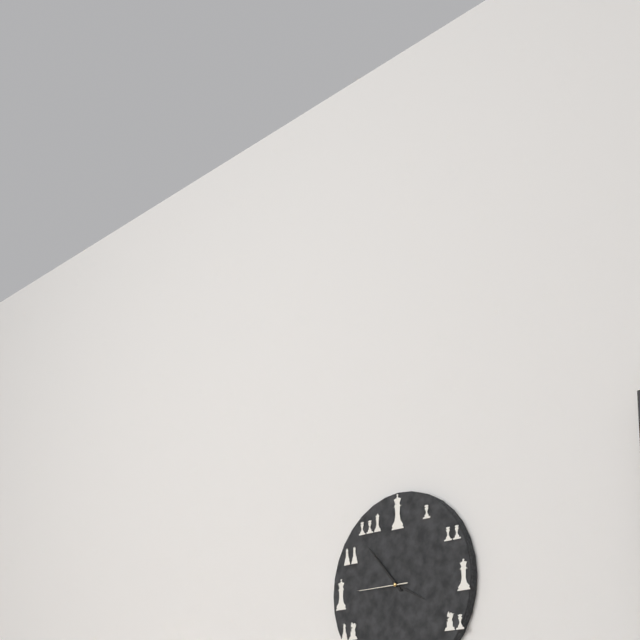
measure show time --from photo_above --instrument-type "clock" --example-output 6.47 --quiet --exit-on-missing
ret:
3.53
